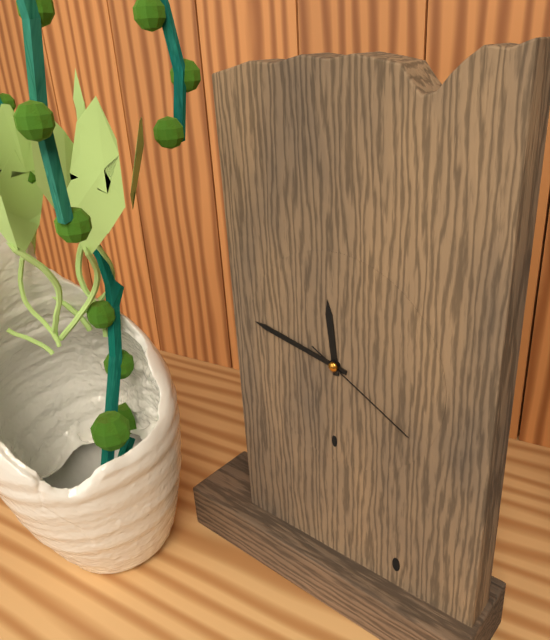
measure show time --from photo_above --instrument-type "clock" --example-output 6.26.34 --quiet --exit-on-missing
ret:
11.47.20
